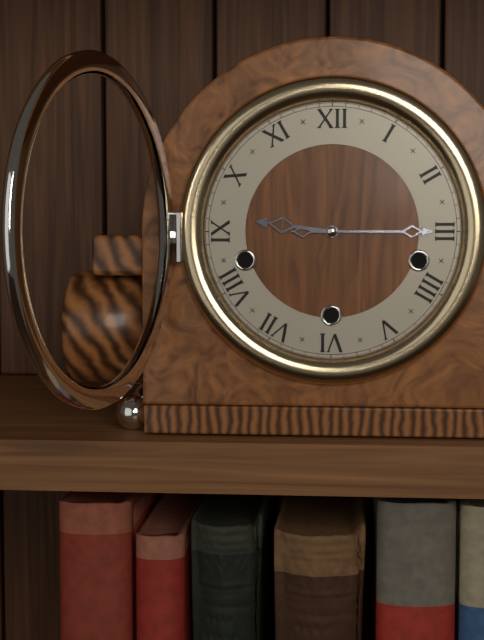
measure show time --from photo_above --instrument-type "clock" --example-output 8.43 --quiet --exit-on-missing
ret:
9.15
